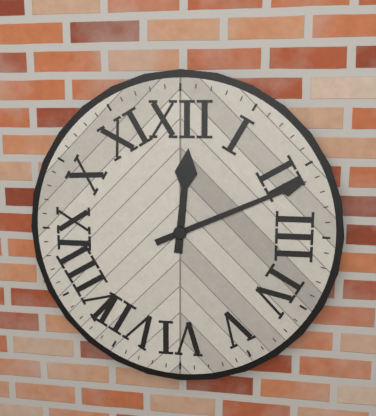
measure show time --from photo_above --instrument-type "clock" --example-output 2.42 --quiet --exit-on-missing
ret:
12.11
